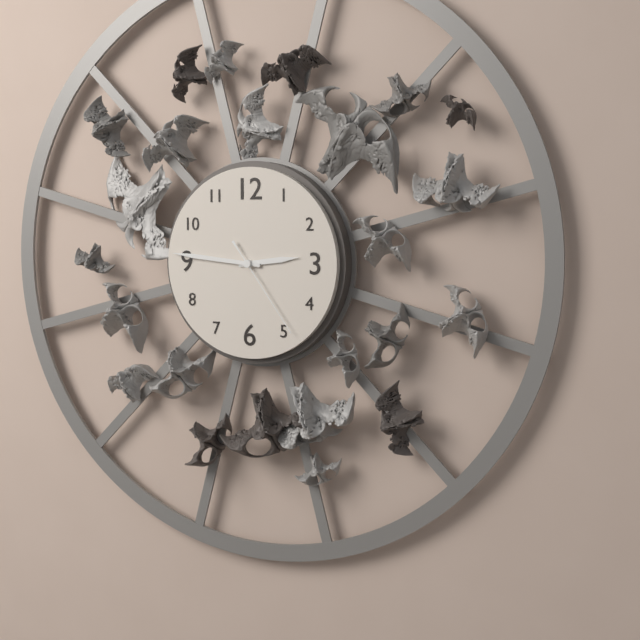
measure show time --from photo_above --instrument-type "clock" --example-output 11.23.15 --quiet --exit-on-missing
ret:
2.46.24
